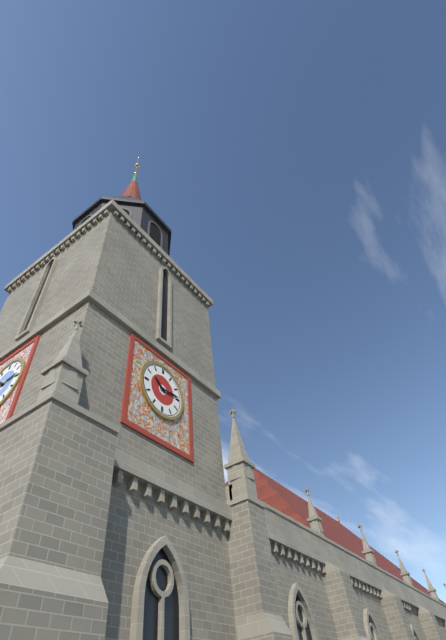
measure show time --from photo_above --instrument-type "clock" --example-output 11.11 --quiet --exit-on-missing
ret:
10.14
